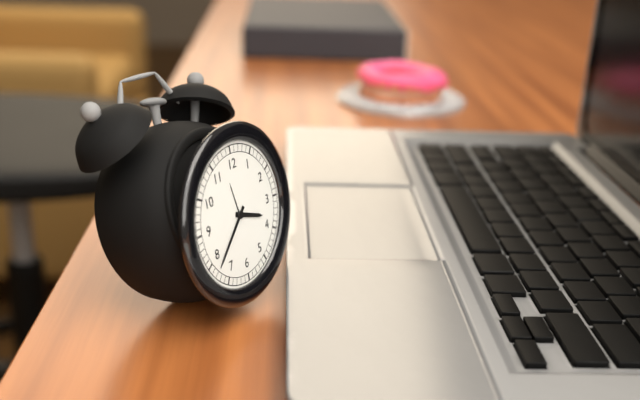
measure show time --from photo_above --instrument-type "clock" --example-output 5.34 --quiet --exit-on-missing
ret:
3.38
